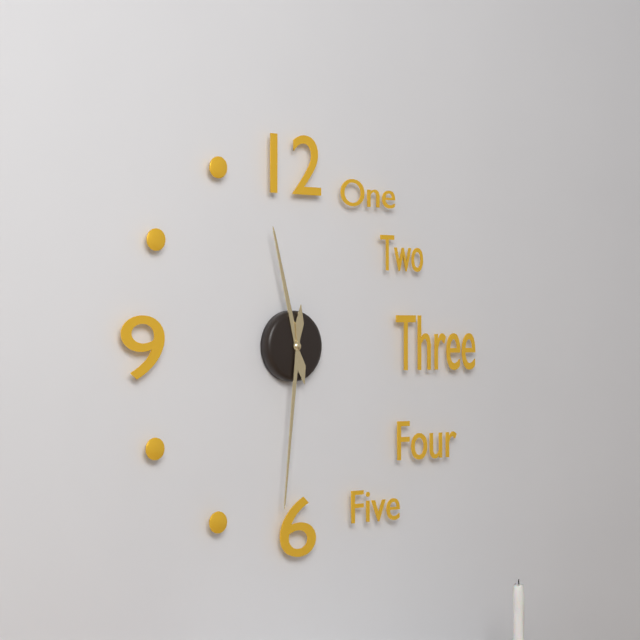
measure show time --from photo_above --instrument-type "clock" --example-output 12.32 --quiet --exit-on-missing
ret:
11.31
